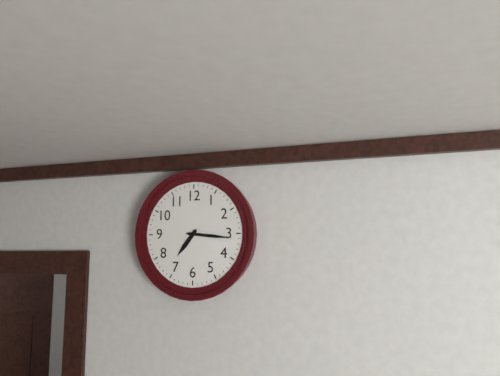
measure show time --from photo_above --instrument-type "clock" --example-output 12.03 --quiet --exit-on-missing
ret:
7.16
